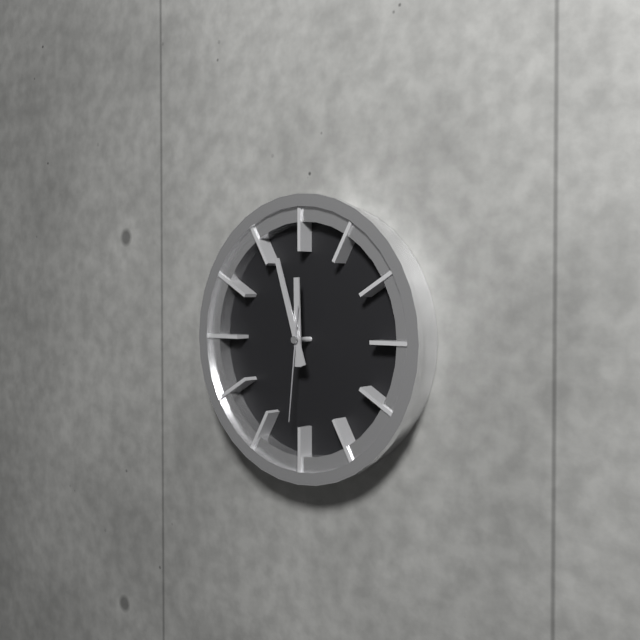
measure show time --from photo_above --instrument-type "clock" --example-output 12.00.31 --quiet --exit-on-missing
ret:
11.57.31
